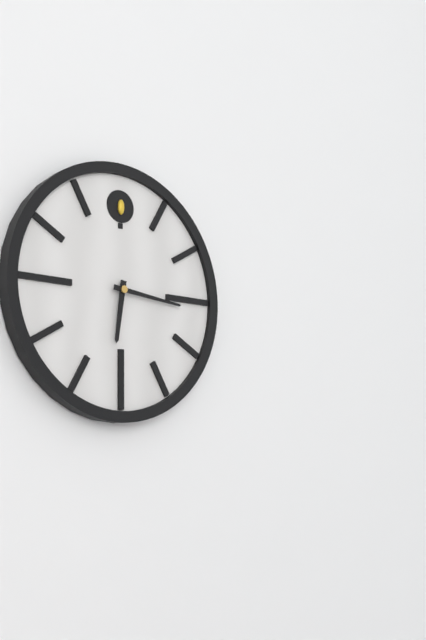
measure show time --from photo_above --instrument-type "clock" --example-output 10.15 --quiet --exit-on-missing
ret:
6.16
